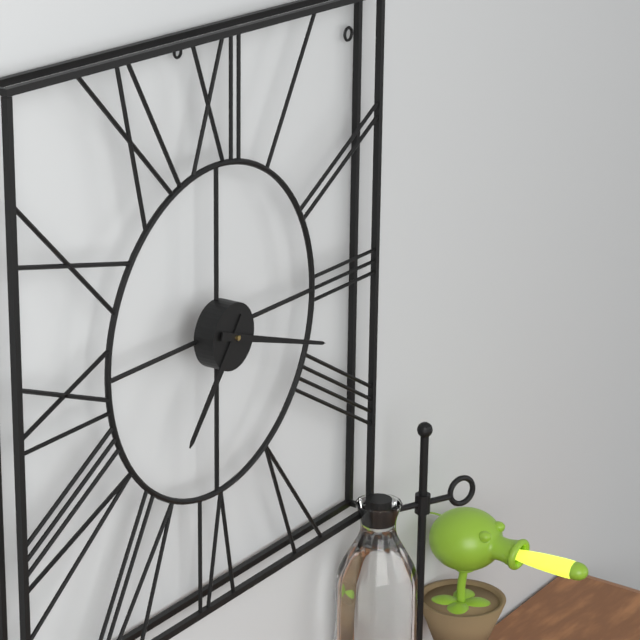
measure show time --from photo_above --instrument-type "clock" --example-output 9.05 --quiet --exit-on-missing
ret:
7.18
